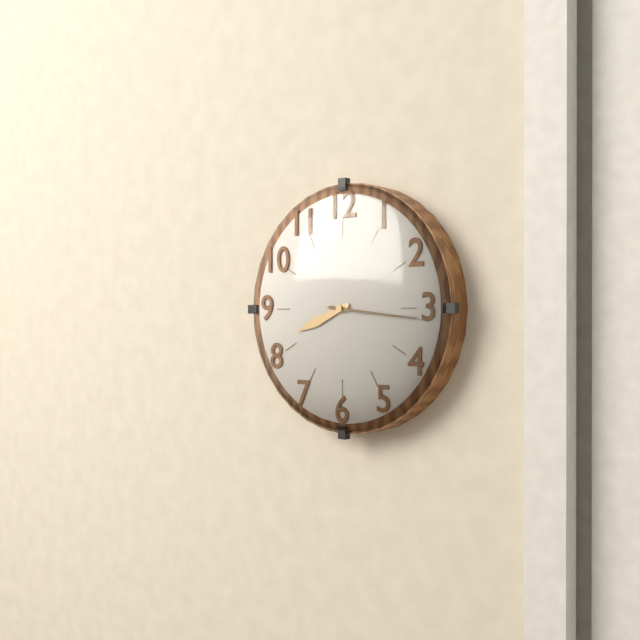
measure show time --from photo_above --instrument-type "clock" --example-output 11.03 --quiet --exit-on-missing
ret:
8.16
